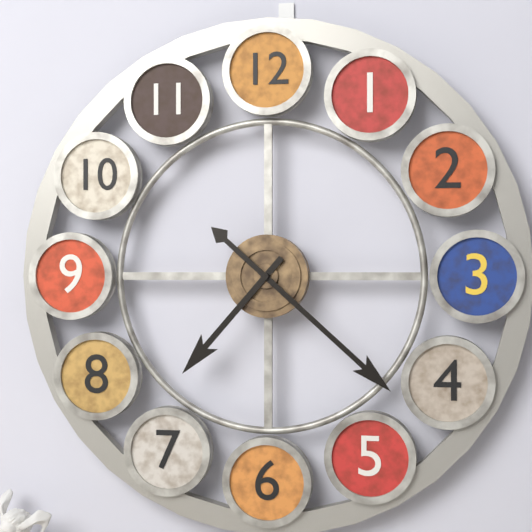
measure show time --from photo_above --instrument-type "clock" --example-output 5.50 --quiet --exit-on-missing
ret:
7.22
